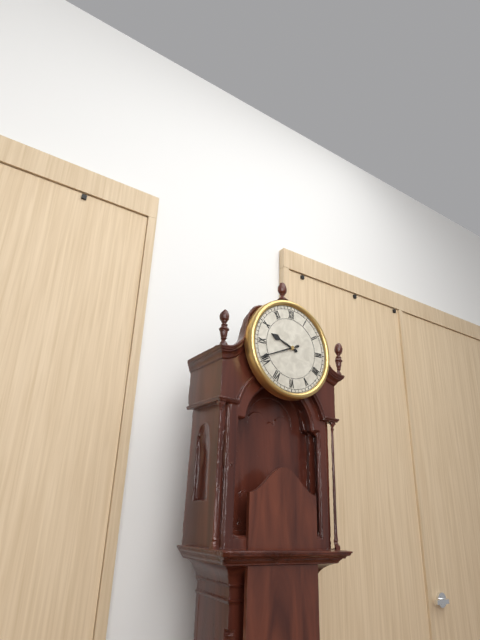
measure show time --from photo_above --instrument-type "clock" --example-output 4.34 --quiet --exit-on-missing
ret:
9.41
